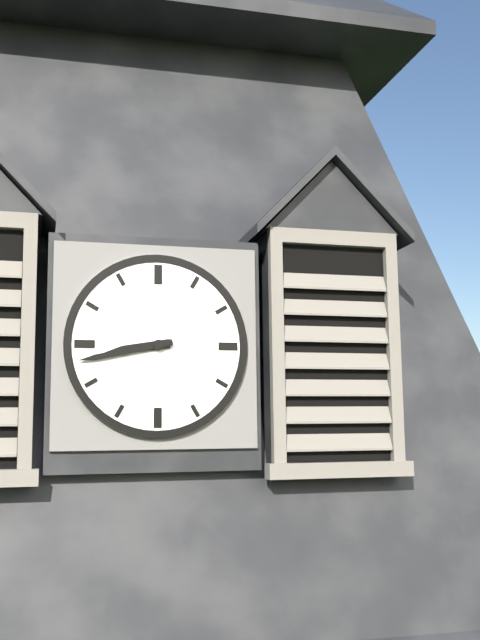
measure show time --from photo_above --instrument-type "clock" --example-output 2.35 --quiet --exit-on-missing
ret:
8.43
